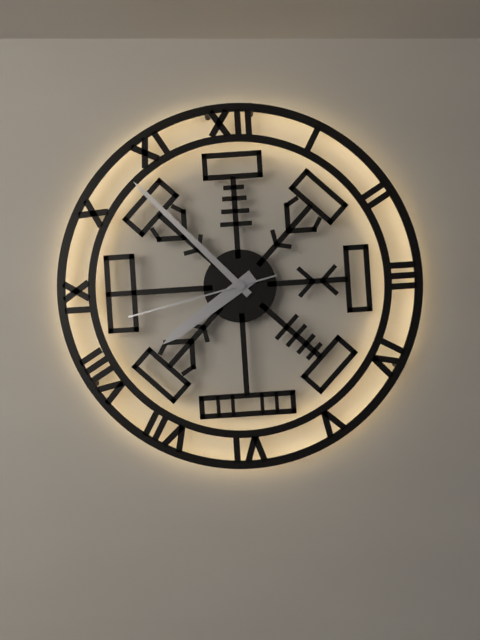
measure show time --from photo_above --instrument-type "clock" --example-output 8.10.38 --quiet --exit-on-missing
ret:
7.53.43
